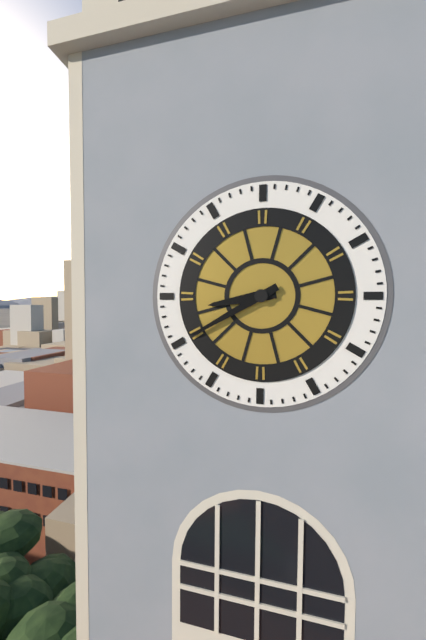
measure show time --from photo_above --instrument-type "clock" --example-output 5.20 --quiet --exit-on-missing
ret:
8.40
